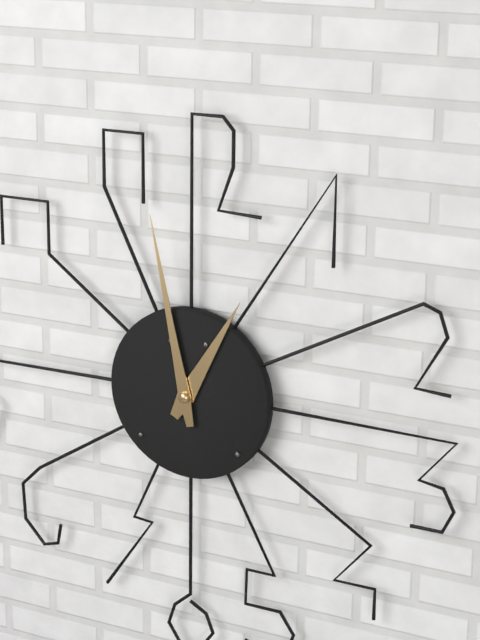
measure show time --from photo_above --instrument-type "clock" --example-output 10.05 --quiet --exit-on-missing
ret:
12.58
